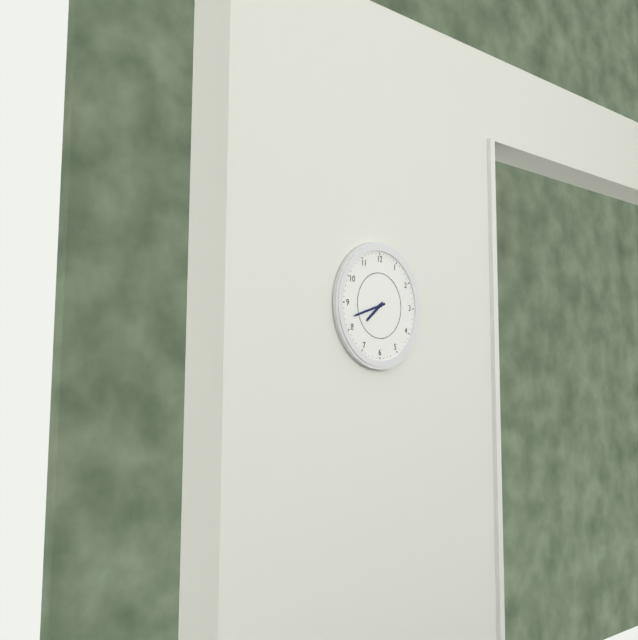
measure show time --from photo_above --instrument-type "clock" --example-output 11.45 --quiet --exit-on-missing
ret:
7.42
